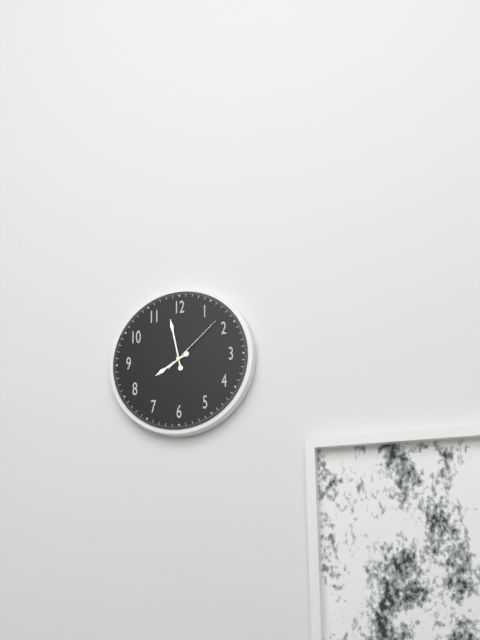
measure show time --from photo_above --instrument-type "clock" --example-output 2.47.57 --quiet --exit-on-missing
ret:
7.58.08
